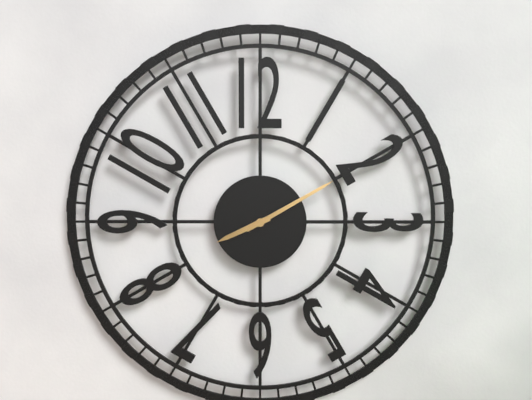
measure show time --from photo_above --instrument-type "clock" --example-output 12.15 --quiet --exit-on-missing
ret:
8.10
